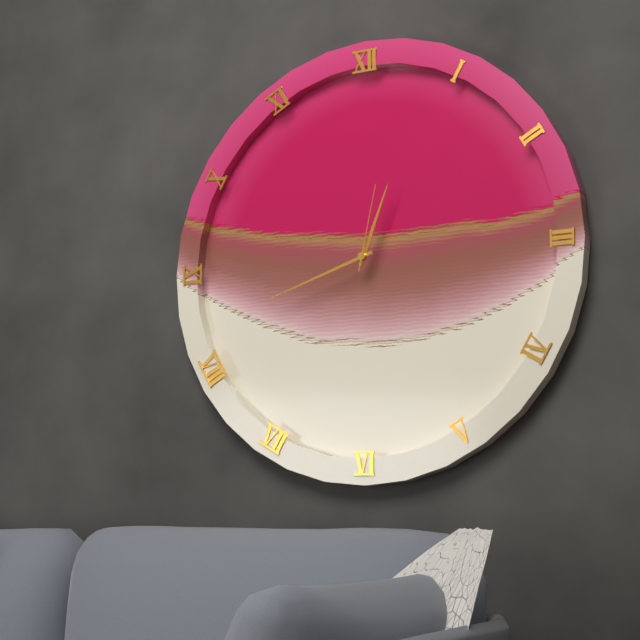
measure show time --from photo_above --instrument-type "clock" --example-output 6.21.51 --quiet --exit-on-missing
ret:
12.42.02
